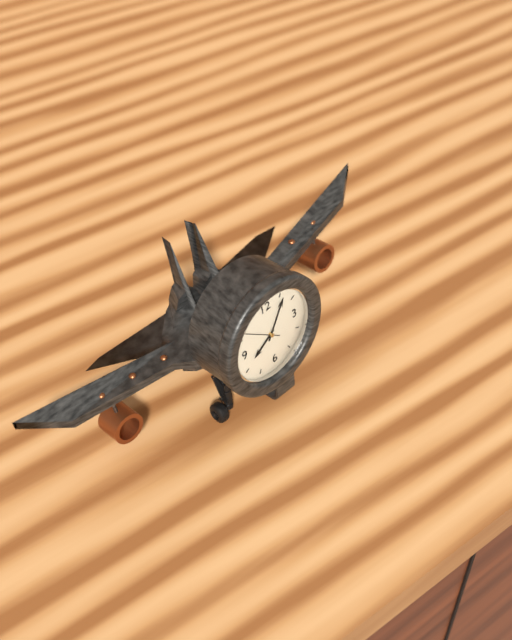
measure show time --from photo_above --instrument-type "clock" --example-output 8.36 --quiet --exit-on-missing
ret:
8.06
